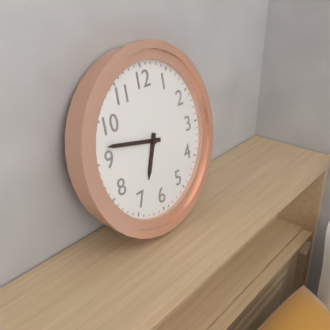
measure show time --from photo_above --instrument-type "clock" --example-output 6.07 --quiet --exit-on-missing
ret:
6.47
